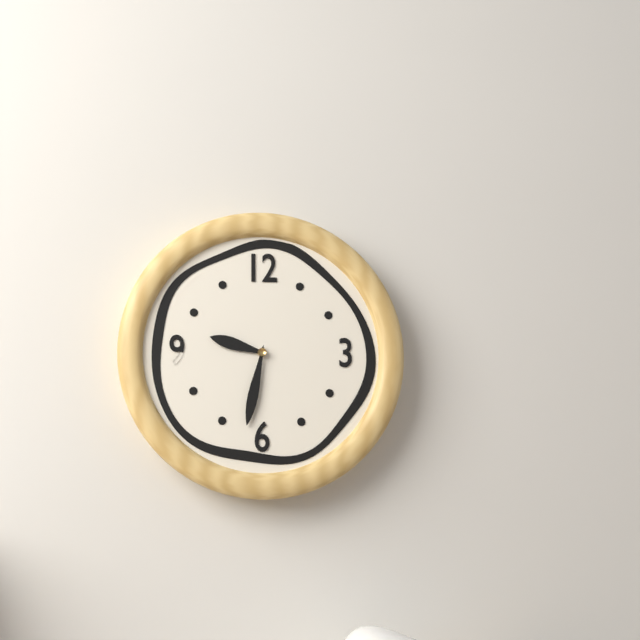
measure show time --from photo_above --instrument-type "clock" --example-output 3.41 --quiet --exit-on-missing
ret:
9.32
